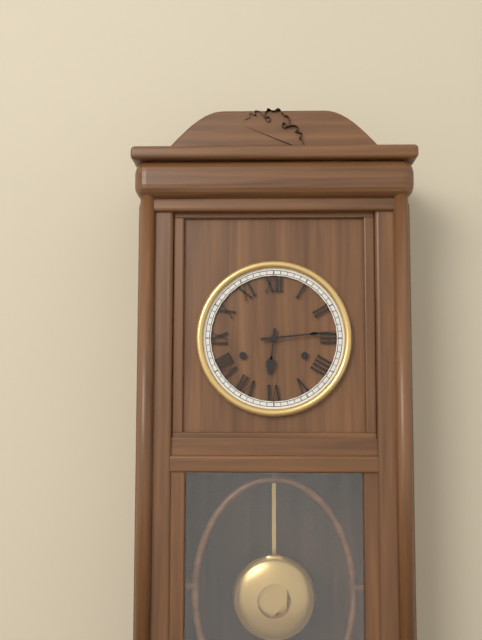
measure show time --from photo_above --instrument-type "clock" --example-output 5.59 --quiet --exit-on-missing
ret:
6.14
